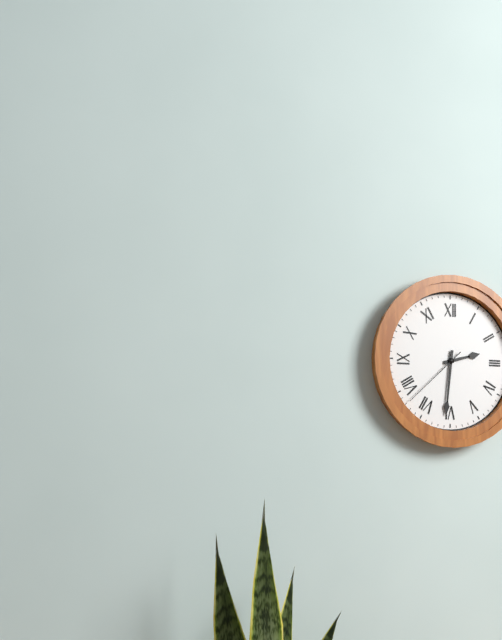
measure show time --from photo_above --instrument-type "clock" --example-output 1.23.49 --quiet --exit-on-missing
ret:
2.31.38
